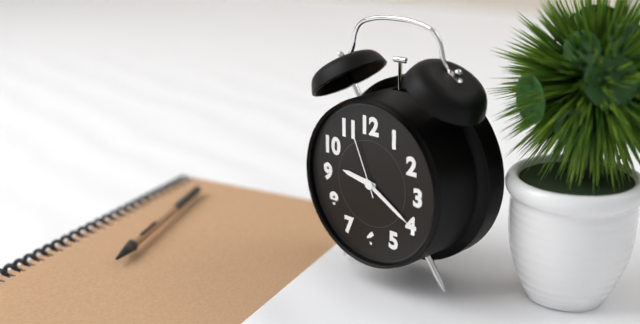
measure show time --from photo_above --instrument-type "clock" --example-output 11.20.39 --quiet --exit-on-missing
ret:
9.20.56
